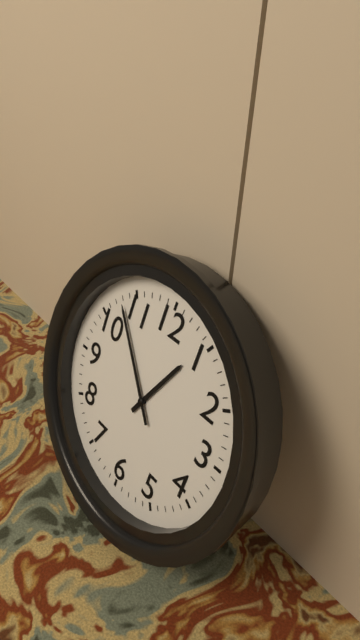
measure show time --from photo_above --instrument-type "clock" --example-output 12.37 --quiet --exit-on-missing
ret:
12.53
